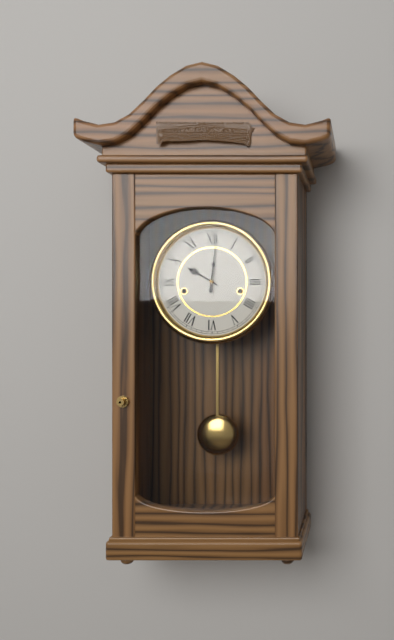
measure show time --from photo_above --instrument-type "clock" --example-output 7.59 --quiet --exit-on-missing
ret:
10.01
